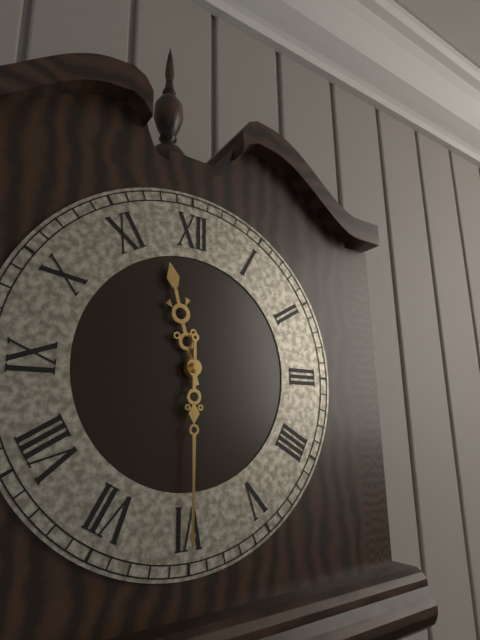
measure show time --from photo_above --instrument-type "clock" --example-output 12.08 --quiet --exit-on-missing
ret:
11.30
